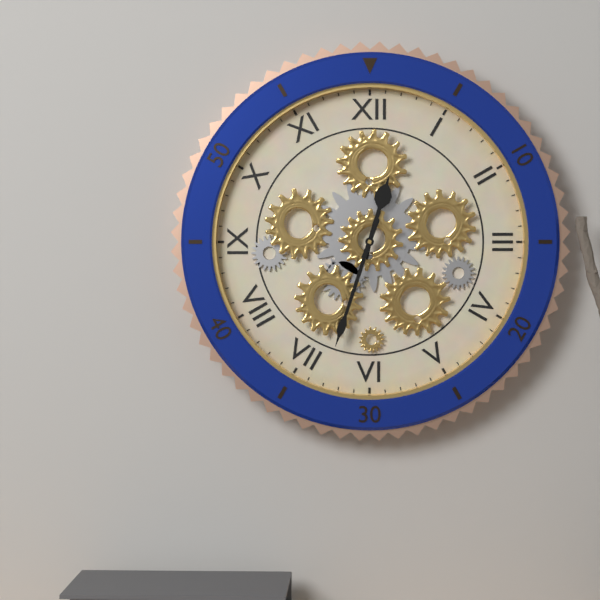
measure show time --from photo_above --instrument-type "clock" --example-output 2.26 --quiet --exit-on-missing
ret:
12.33
